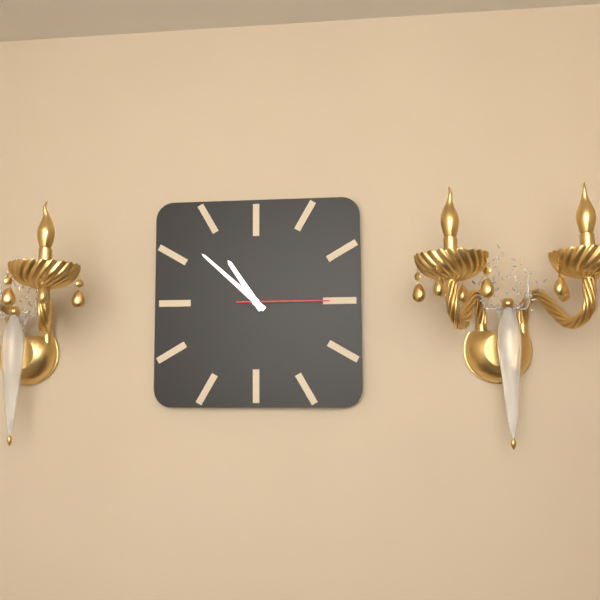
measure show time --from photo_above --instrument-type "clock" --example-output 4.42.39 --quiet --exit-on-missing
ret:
10.52.15
